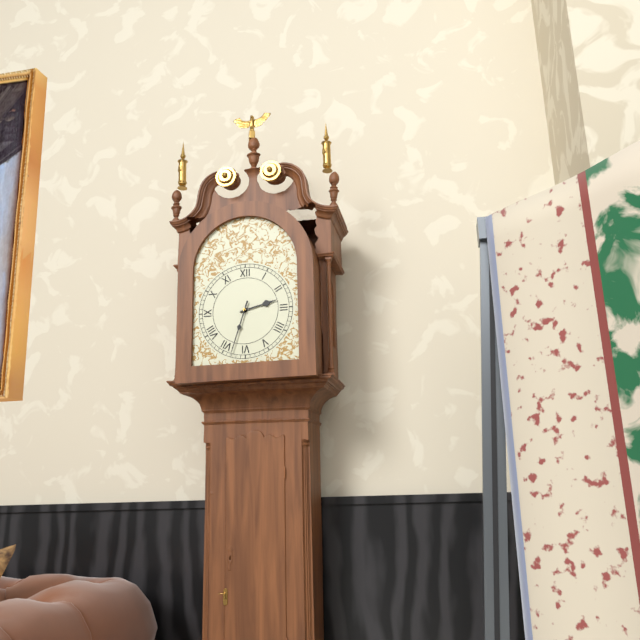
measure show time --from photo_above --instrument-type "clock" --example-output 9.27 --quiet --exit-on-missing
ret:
2.33
